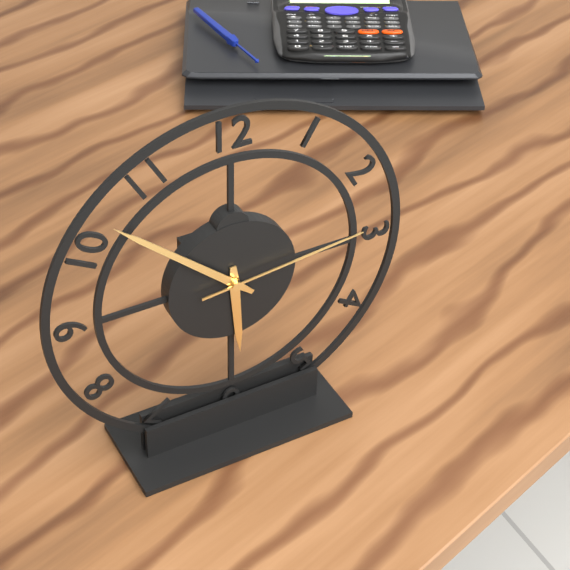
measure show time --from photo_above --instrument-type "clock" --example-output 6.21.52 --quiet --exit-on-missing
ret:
5.52.14
